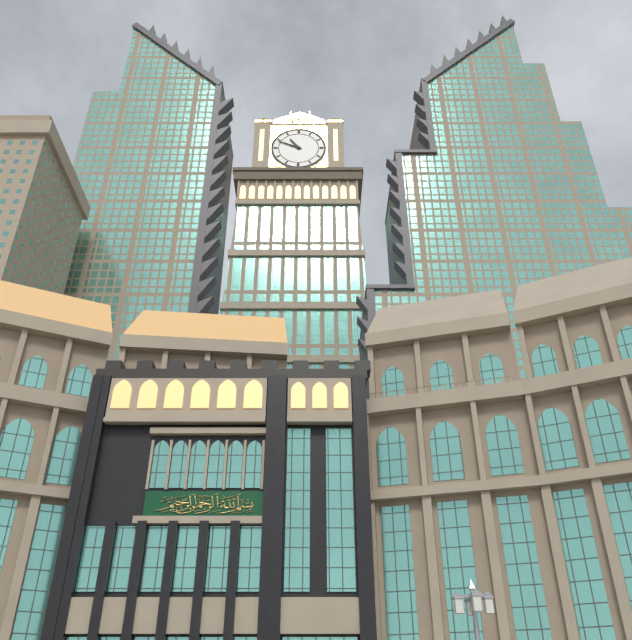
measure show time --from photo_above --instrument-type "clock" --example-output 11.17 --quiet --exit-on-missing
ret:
10.49
